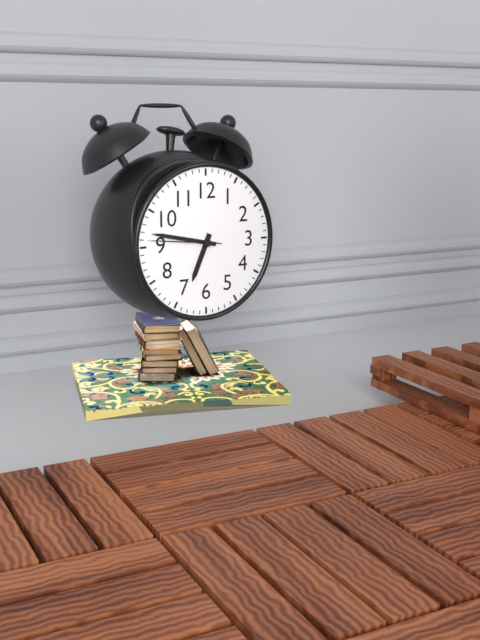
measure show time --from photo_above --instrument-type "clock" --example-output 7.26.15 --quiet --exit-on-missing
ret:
6.47.46
